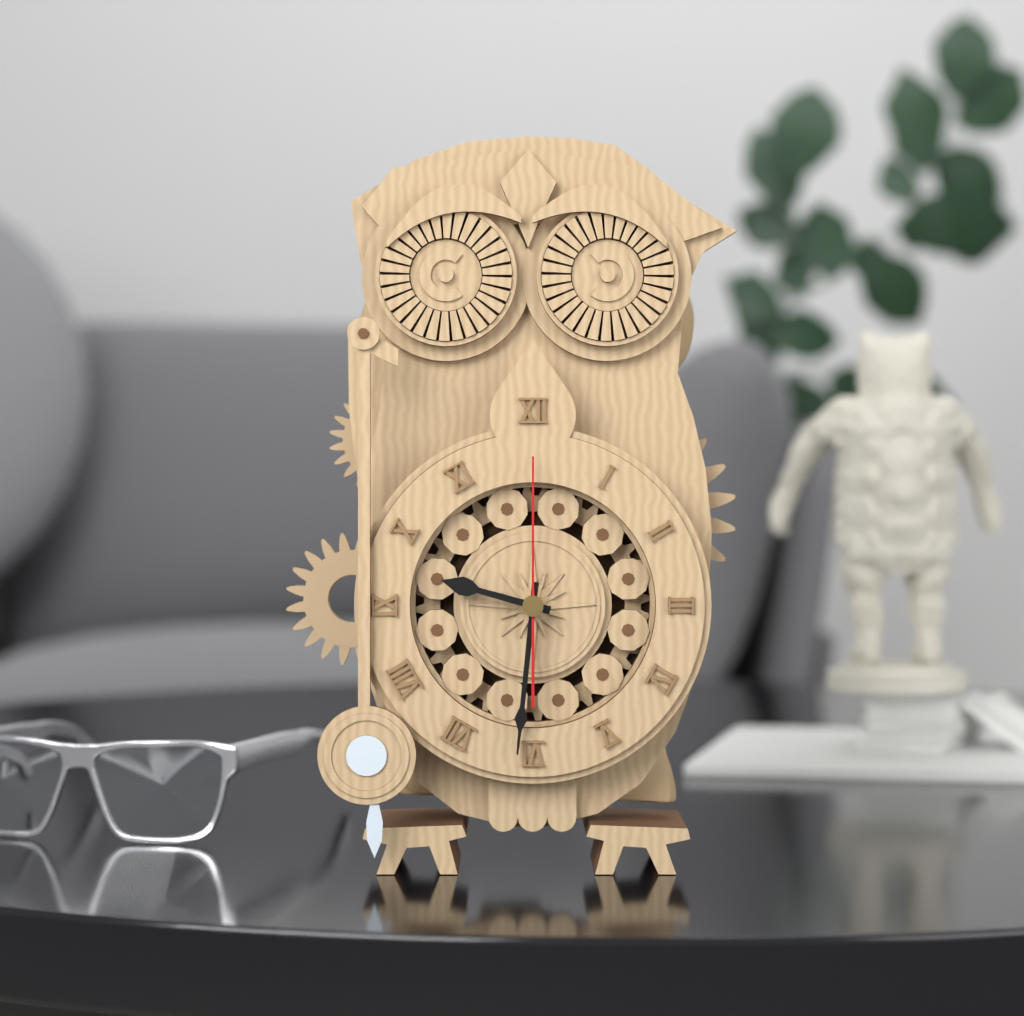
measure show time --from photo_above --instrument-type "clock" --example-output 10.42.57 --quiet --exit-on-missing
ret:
9.31.00
